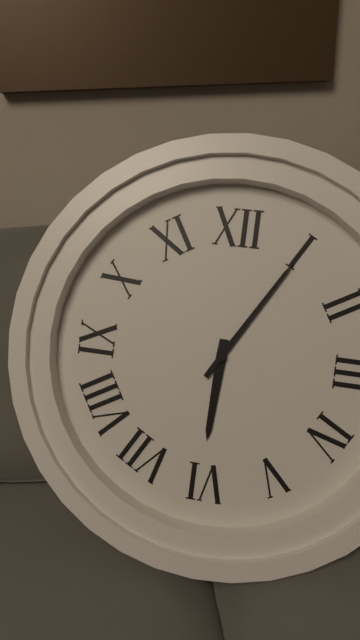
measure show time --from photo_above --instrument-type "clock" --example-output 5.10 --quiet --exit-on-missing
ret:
6.05
